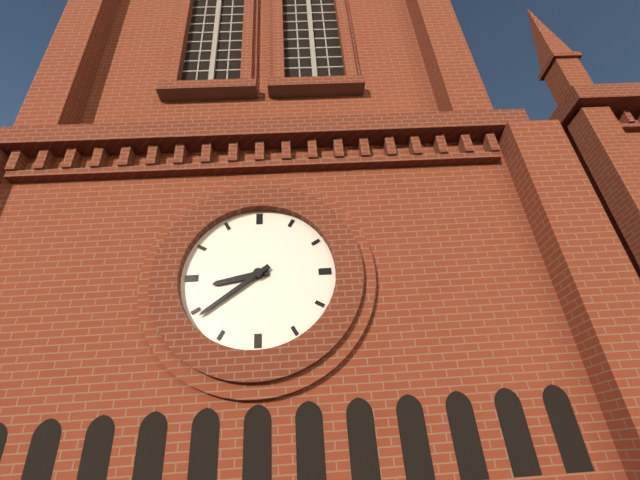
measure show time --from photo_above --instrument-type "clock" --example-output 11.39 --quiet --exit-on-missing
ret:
8.39
